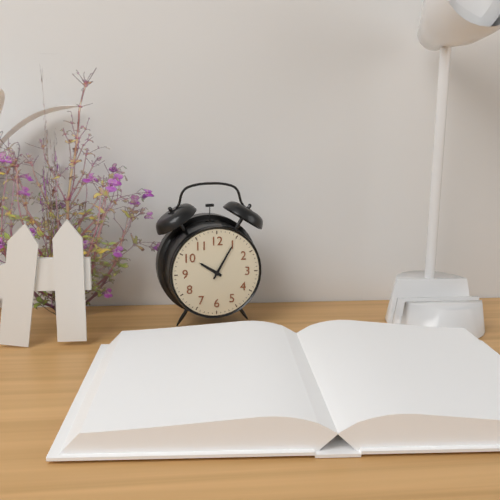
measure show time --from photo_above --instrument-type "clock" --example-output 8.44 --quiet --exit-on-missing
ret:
10.05
